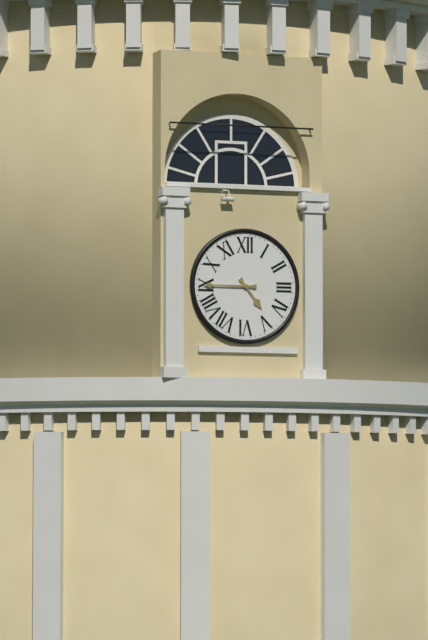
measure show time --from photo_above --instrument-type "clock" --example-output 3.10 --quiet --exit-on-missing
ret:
4.45
